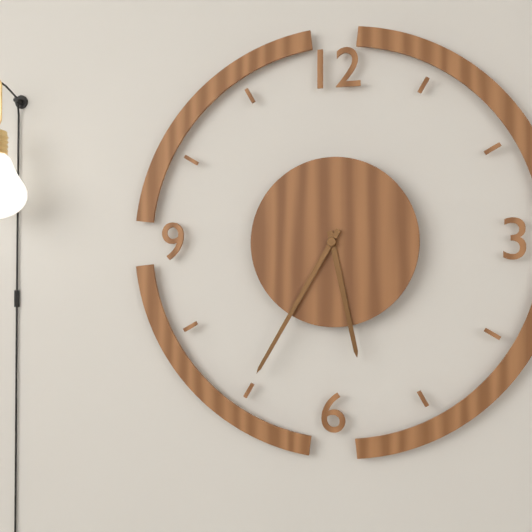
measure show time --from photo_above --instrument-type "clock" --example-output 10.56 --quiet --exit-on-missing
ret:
5.35
